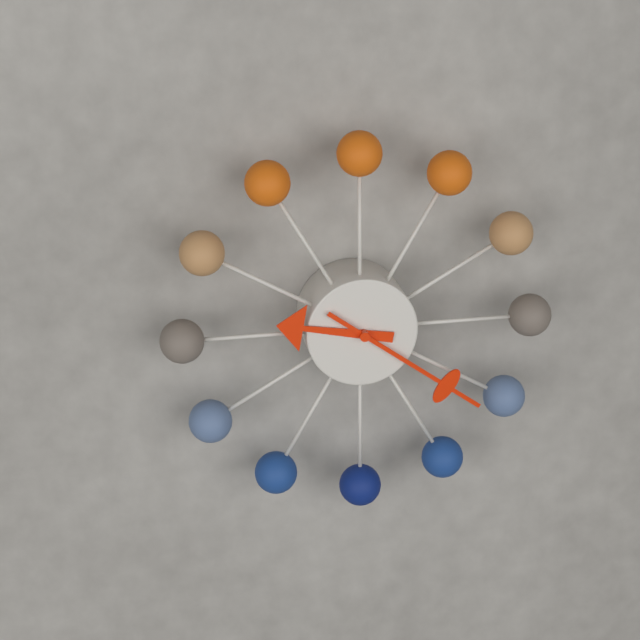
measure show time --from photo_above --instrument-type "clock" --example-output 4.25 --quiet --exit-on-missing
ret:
9.21
